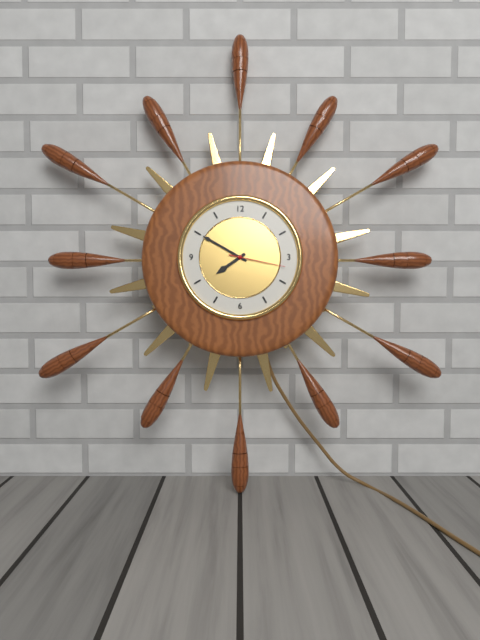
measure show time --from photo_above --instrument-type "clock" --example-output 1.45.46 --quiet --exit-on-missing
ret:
7.50.17
